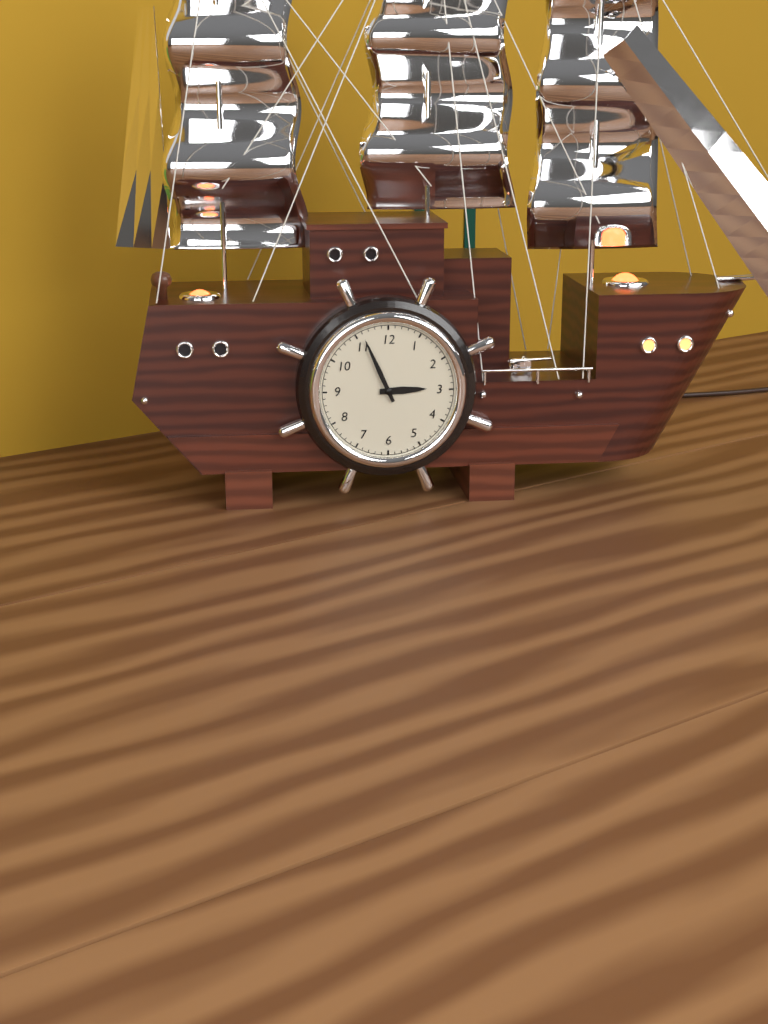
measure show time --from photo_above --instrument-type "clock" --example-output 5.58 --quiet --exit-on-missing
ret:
2.56
